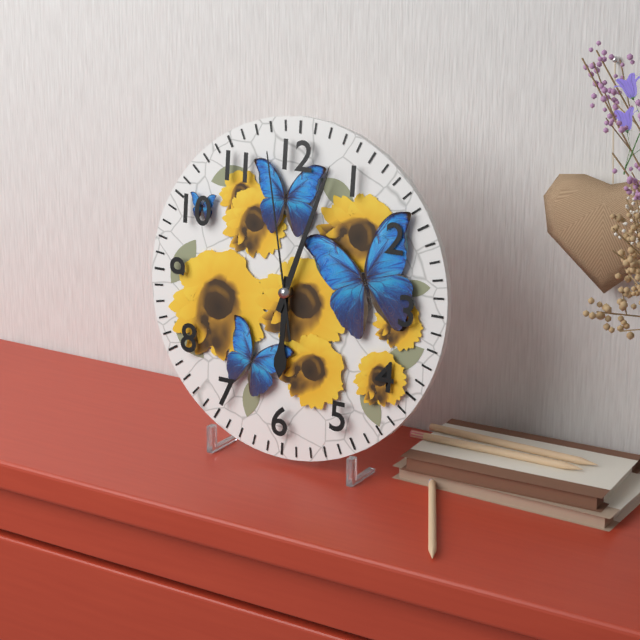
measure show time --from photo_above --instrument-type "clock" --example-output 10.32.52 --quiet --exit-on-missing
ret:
6.03.58
